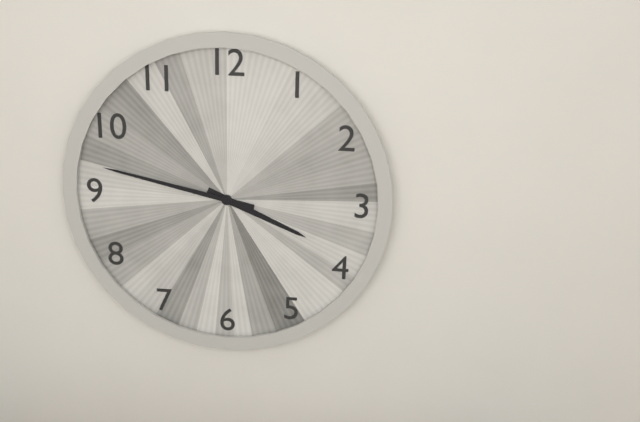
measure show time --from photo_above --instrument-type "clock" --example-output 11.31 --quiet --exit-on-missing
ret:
3.47
